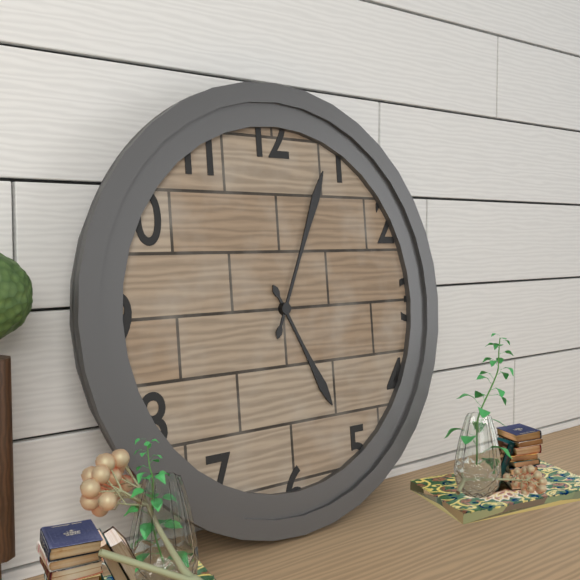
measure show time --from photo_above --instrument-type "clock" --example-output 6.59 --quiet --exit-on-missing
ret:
5.04
